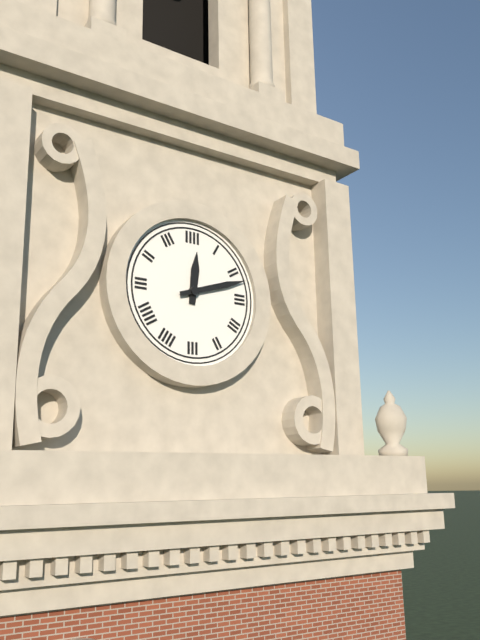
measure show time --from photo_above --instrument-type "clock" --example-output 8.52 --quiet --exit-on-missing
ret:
12.12
